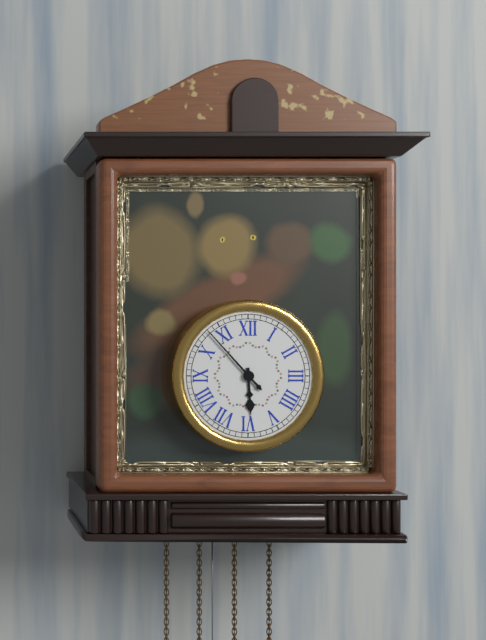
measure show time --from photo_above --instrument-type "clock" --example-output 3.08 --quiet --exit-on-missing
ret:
5.53
